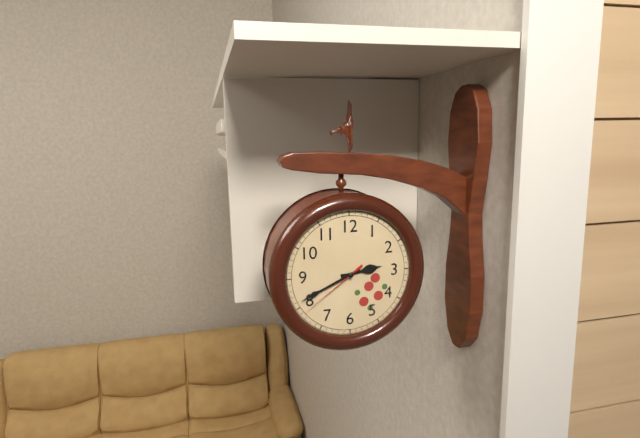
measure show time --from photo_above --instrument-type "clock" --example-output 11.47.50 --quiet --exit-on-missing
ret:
2.41.39
